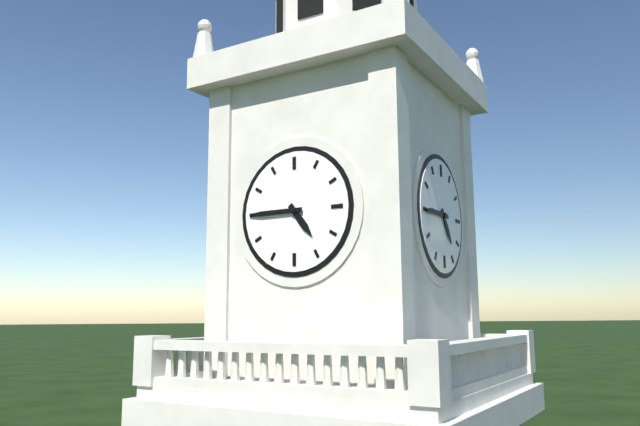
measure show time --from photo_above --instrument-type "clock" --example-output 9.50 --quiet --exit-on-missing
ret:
4.45
